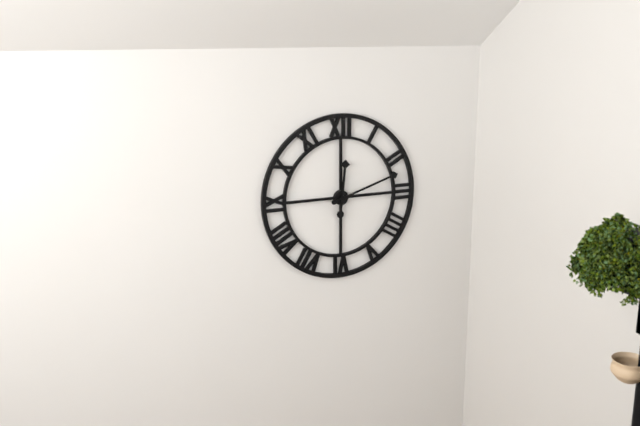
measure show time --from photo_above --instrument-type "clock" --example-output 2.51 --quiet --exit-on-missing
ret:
12.12
